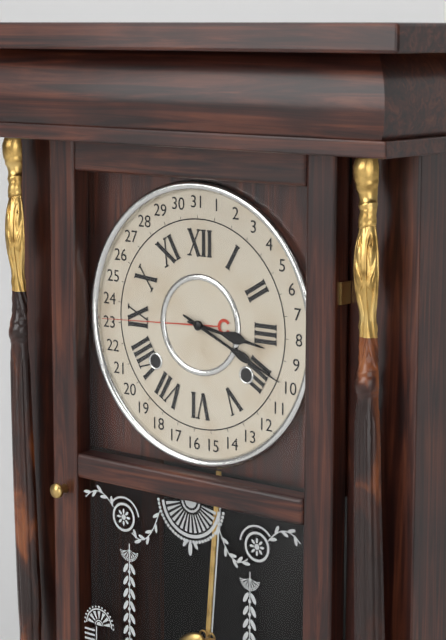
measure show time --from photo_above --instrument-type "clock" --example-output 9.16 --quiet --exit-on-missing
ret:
3.19
